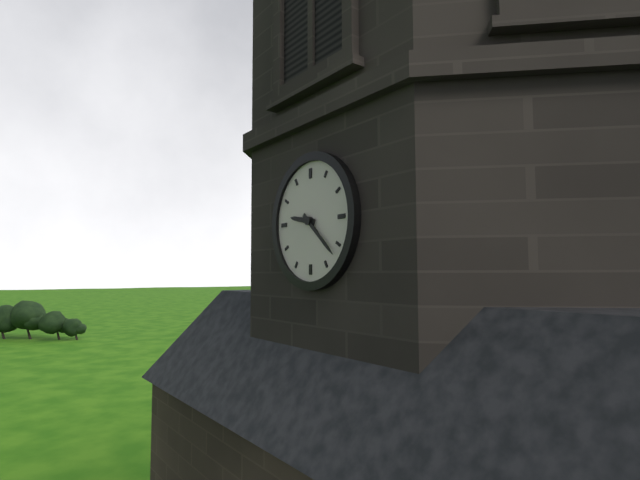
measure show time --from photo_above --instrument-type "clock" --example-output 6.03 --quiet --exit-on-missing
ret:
9.22
